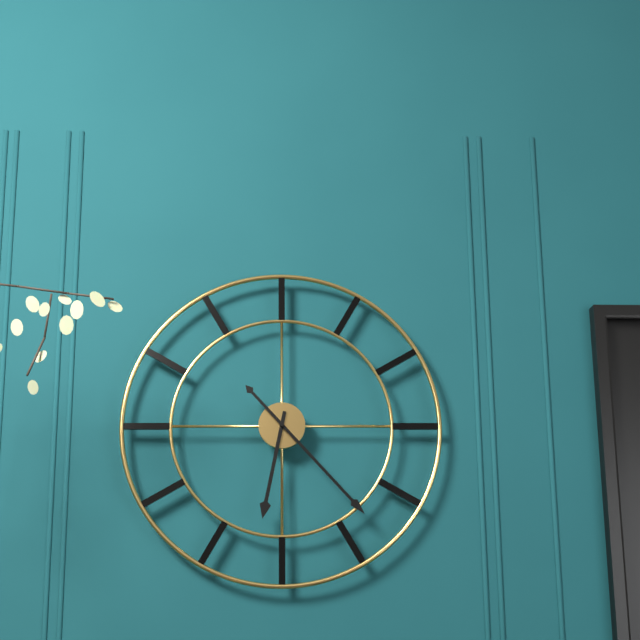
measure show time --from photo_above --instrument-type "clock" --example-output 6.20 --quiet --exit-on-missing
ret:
6.23
